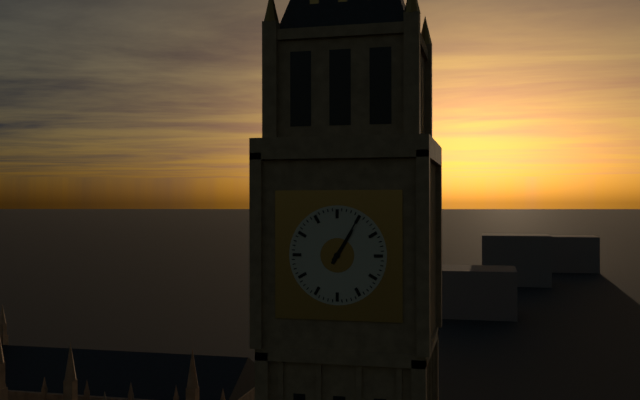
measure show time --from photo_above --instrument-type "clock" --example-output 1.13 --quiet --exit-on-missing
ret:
1.05
